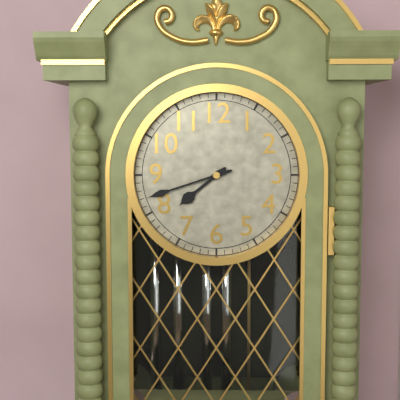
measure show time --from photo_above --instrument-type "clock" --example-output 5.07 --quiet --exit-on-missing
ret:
7.42
